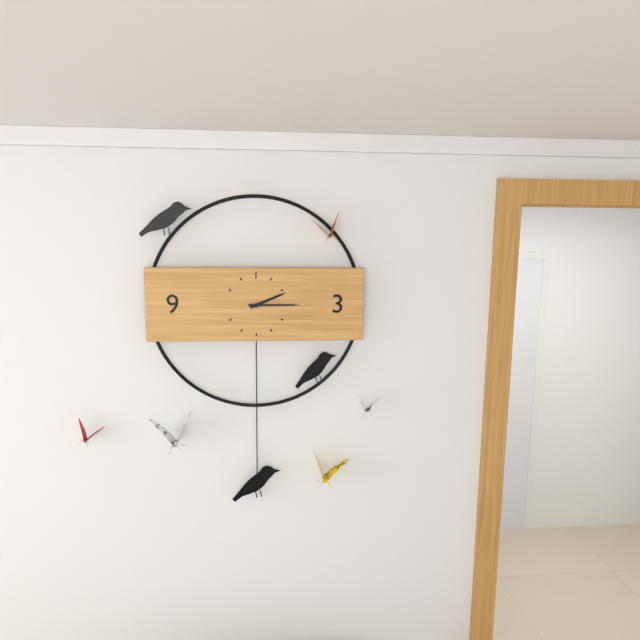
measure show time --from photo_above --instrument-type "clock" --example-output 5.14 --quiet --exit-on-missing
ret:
2.15
